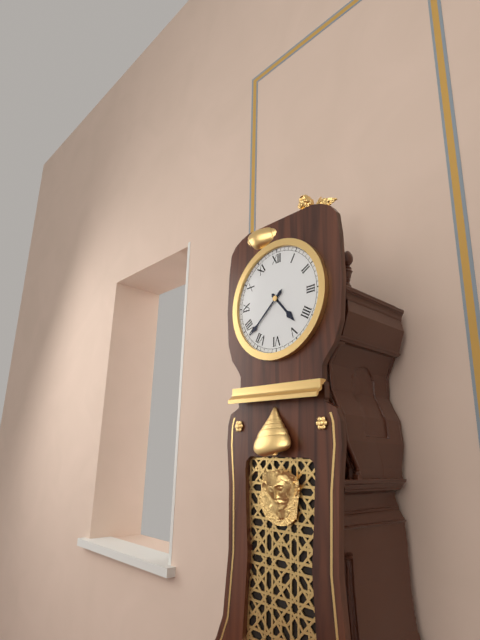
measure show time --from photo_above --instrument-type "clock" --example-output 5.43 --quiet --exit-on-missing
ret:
4.38
